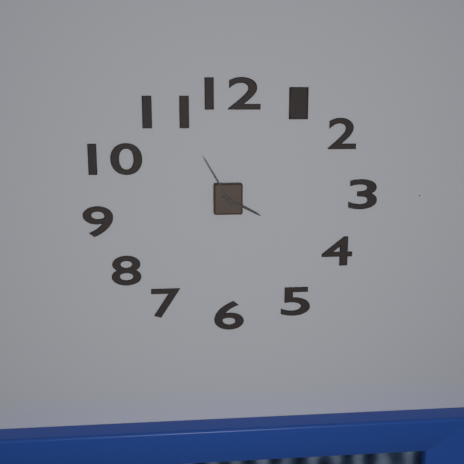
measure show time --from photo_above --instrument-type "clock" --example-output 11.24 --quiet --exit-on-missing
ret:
3.55
